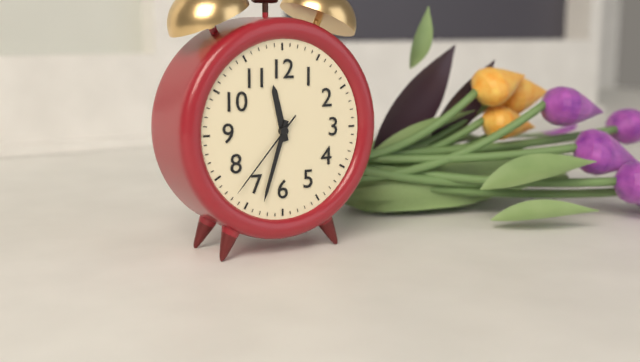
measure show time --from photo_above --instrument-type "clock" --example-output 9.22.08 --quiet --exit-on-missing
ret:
11.33.37
